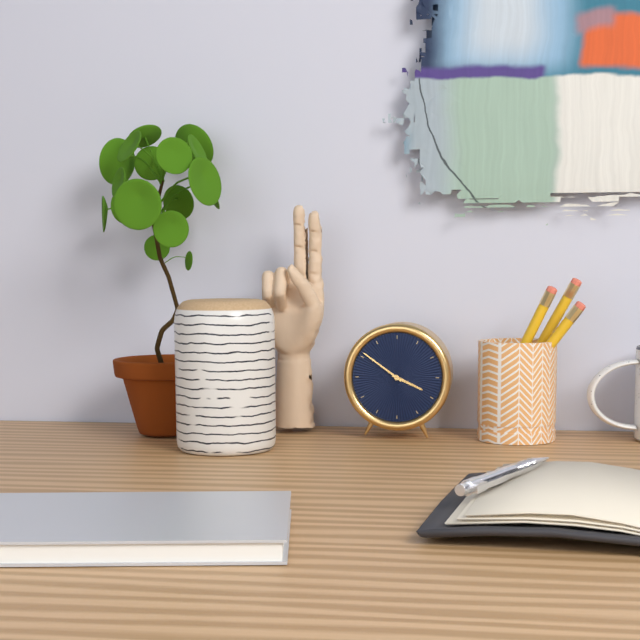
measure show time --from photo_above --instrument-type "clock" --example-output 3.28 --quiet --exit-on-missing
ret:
3.51
